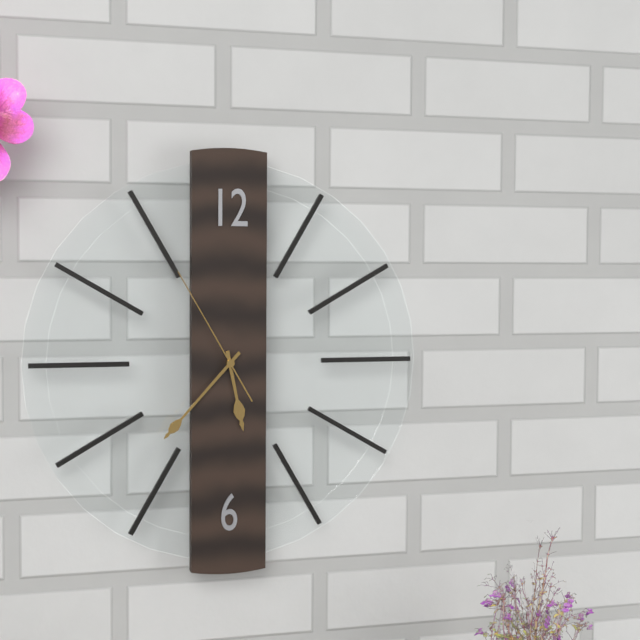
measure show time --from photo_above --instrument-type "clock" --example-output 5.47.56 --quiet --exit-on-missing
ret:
5.37.55
